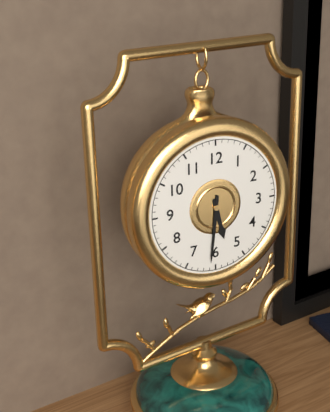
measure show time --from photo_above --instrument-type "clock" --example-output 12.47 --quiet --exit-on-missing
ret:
5.31
